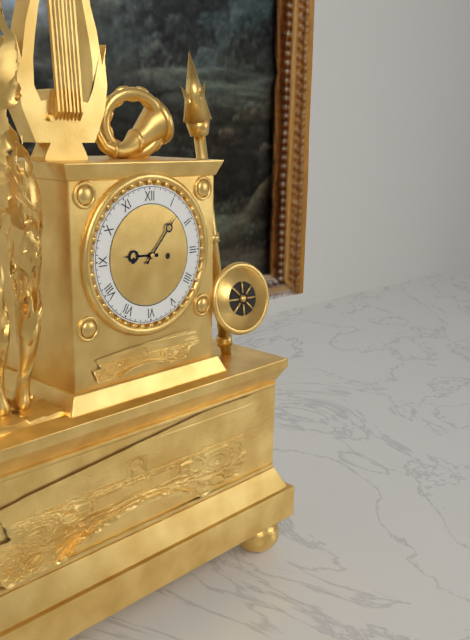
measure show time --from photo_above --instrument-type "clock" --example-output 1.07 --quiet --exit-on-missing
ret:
9.07
